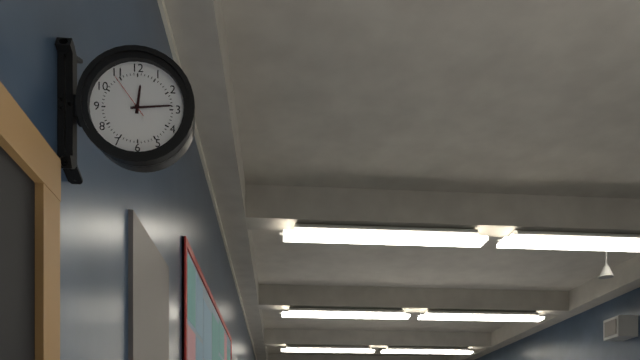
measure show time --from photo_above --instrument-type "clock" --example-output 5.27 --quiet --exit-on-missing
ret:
12.14
